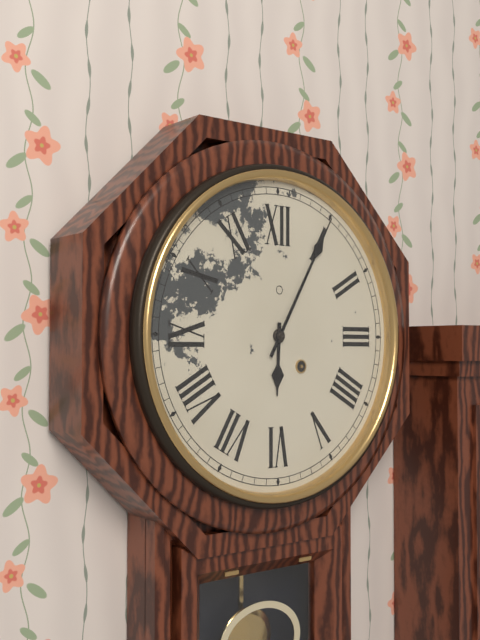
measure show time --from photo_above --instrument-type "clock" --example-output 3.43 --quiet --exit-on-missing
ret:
6.05
